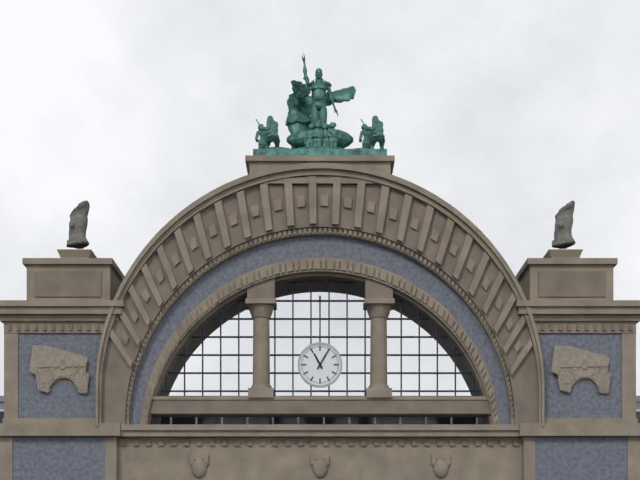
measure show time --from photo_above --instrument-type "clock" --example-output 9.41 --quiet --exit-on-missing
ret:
11.05
